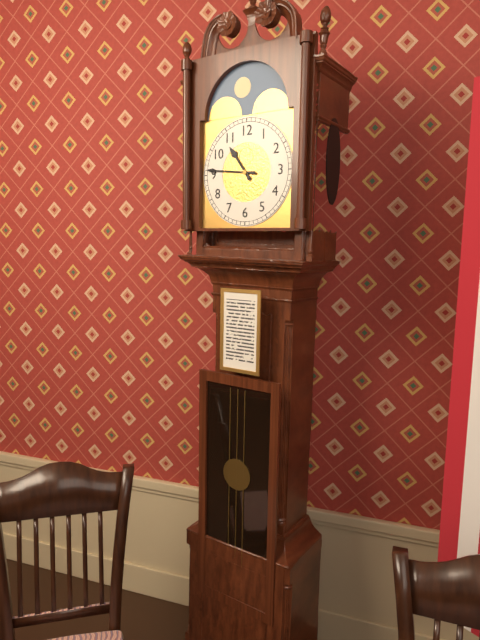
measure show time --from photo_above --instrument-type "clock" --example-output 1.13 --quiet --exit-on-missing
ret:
10.46
